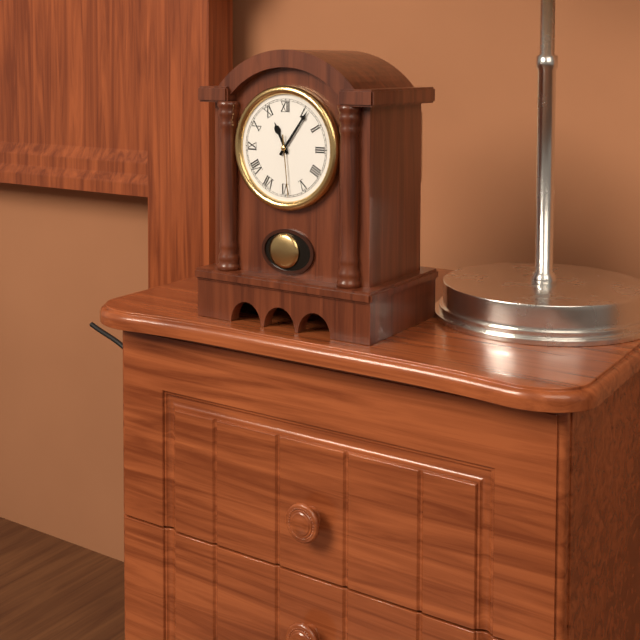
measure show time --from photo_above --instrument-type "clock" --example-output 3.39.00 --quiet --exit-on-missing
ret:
11.06.29
